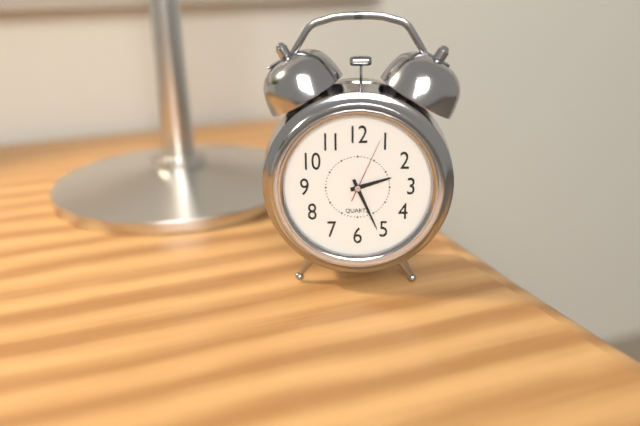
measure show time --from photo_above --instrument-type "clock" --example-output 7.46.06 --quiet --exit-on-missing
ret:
2.26.04
